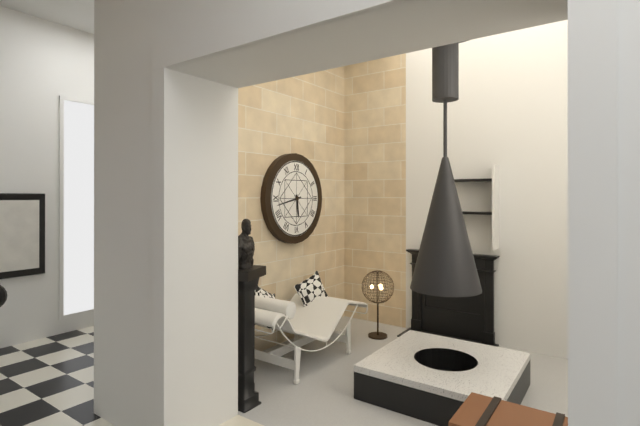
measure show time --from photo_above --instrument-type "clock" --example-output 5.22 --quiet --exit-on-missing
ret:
5.43
